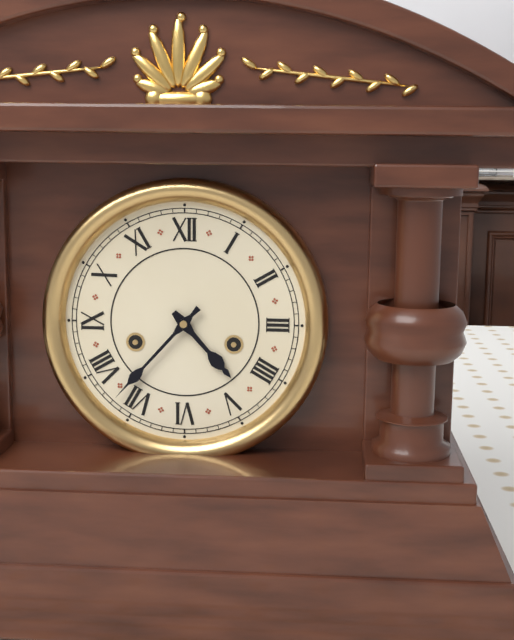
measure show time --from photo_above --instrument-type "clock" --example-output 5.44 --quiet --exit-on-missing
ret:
4.37
